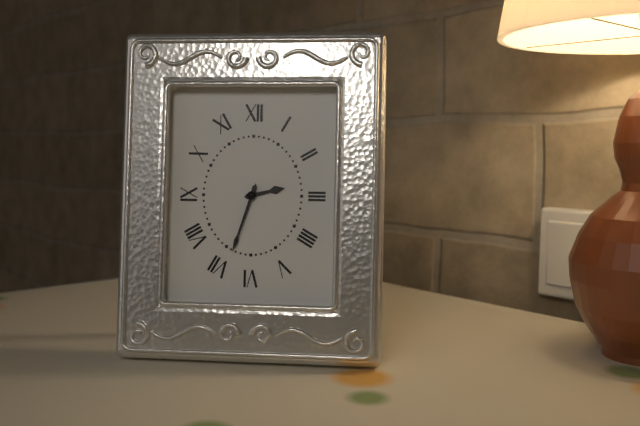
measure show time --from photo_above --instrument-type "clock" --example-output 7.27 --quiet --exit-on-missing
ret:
2.33
